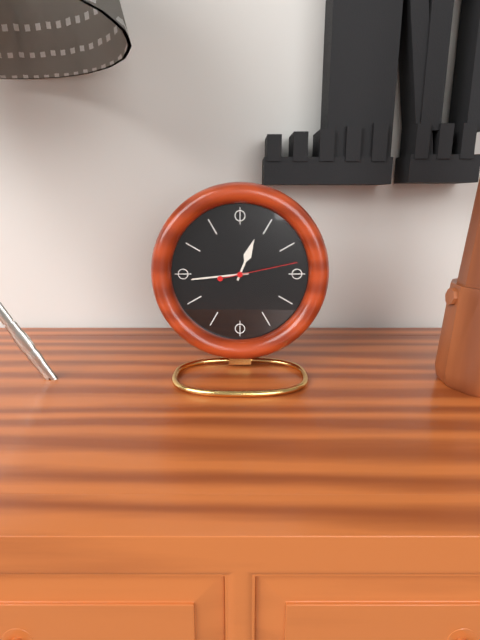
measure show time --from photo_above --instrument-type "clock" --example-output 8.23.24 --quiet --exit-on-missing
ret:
12.44.13
